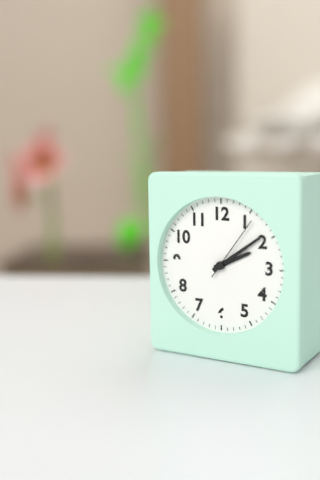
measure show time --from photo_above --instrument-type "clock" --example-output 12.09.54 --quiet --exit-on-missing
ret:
2.09.06
